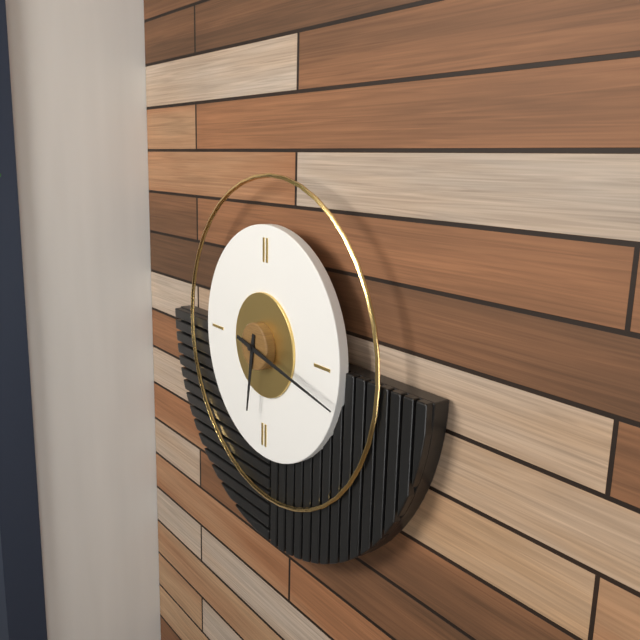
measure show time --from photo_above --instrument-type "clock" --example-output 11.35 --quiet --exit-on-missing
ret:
6.17
